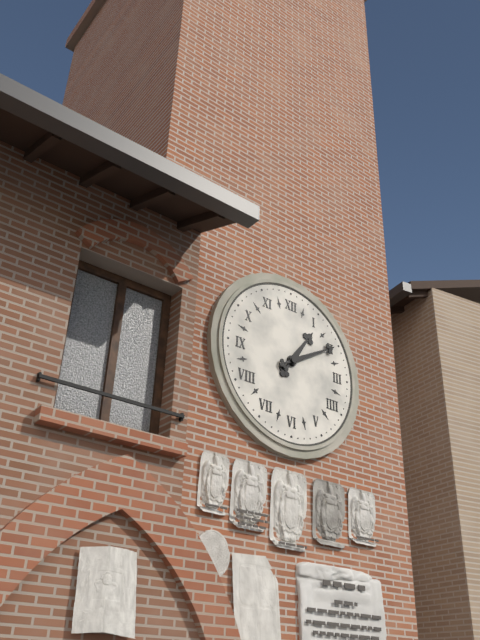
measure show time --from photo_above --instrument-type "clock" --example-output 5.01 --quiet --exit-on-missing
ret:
1.10
